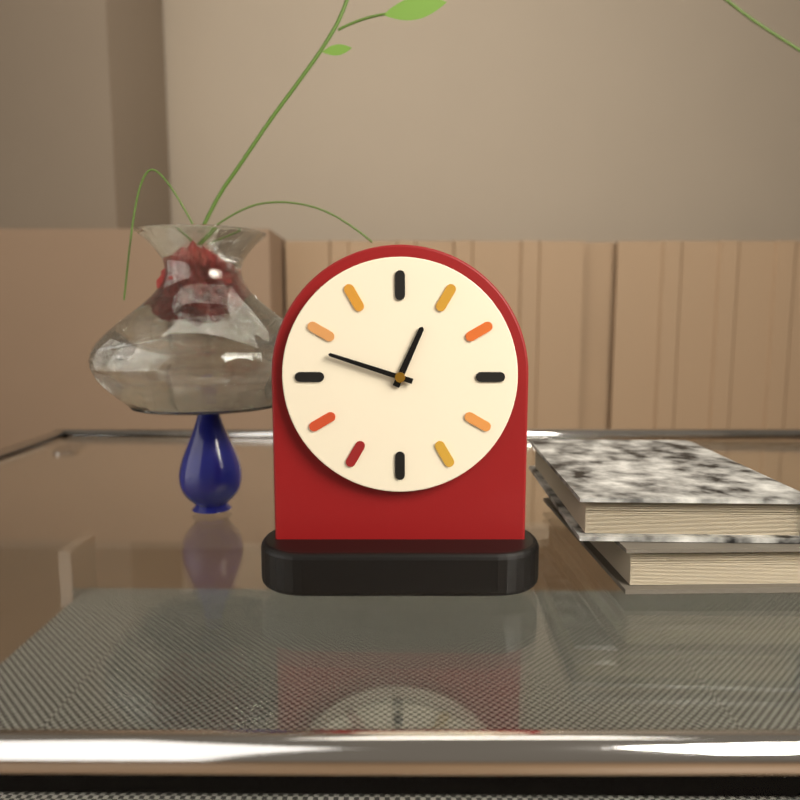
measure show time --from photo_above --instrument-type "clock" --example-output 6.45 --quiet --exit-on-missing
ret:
12.48
